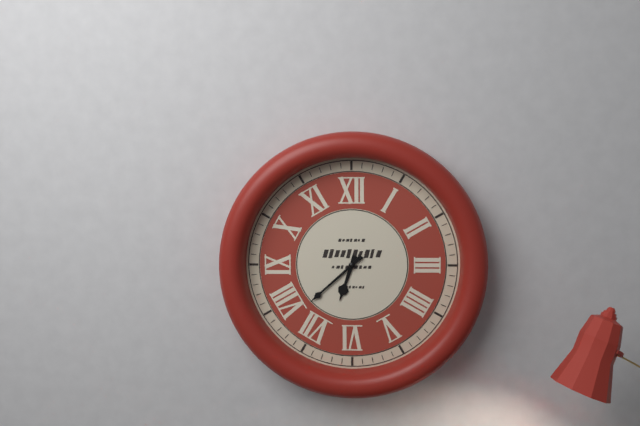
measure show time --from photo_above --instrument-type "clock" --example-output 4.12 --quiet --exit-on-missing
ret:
6.38
